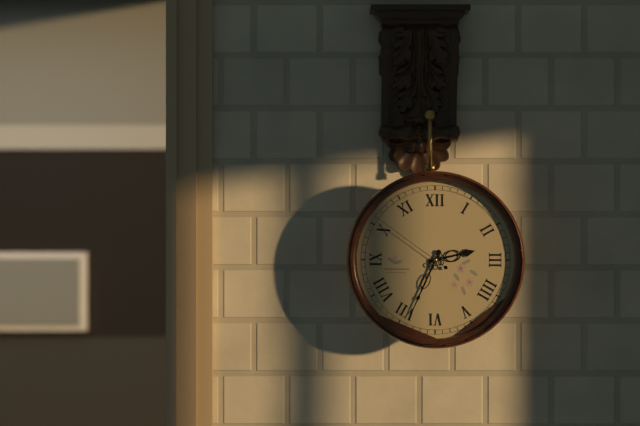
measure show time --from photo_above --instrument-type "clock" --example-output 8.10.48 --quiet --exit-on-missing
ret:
2.34.51
